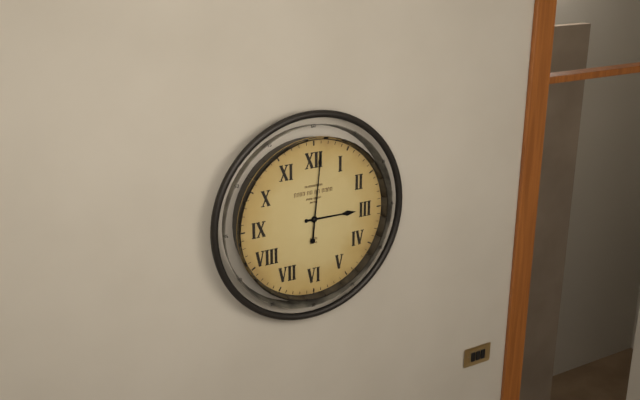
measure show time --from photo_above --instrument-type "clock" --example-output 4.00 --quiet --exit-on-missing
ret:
3.01
